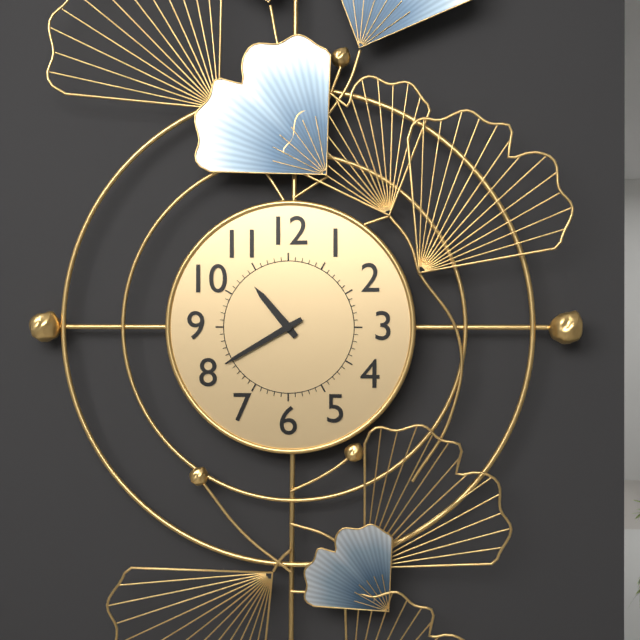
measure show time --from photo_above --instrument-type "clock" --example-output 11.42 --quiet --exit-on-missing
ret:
10.40
